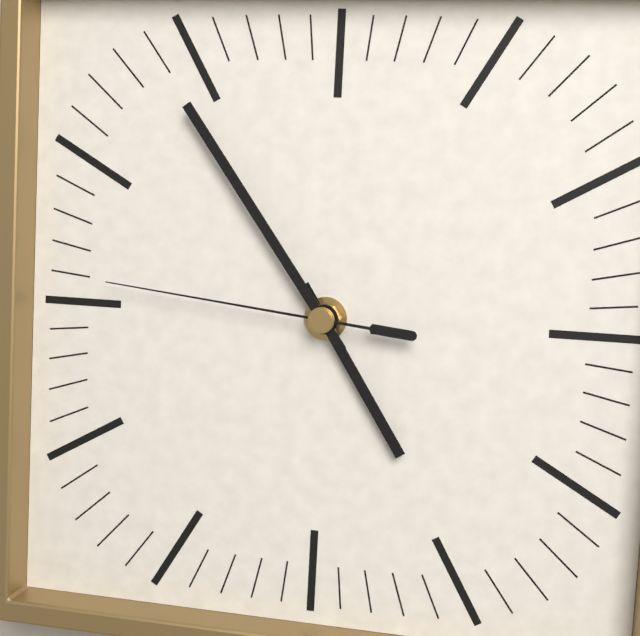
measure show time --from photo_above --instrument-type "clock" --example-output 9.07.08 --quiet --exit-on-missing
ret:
4.54.46
